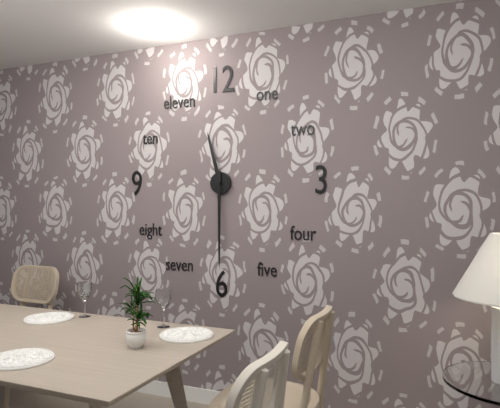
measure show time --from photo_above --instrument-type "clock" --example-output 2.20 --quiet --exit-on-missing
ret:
11.30
